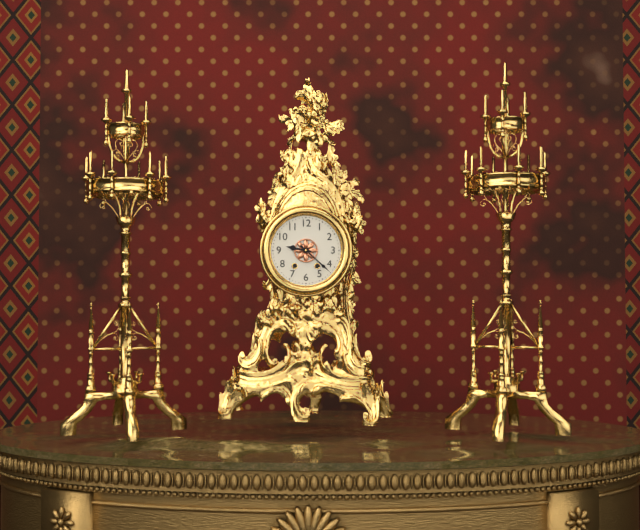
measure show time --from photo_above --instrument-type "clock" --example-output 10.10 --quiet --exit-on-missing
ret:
9.22
